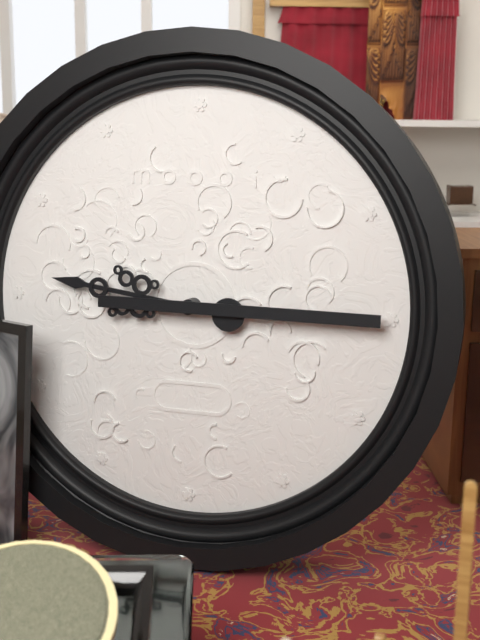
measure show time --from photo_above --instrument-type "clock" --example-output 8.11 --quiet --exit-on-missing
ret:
9.15
